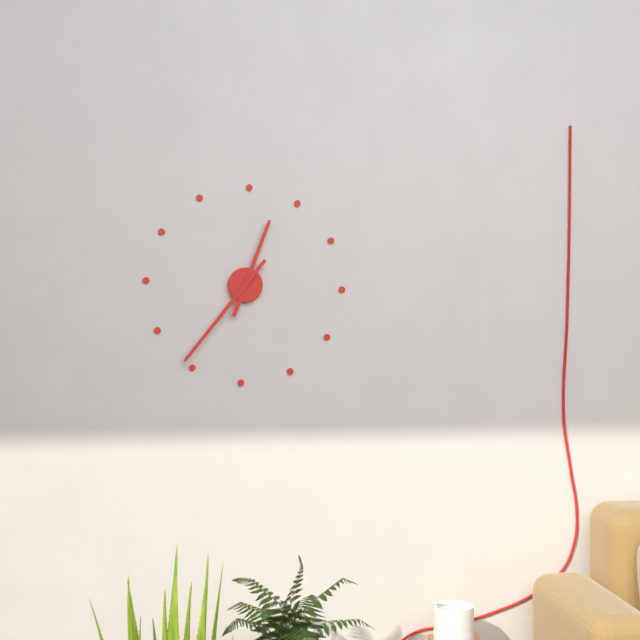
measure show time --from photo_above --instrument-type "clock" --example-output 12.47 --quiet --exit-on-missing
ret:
12.36
